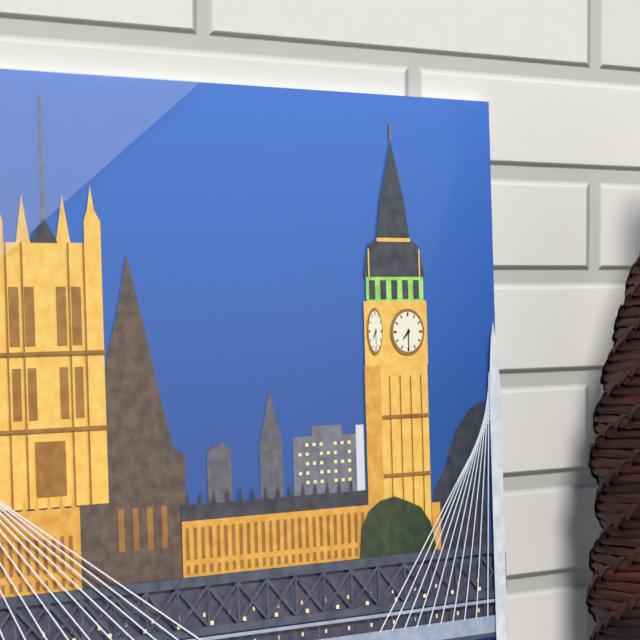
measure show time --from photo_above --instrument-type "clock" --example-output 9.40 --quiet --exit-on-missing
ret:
7.30
